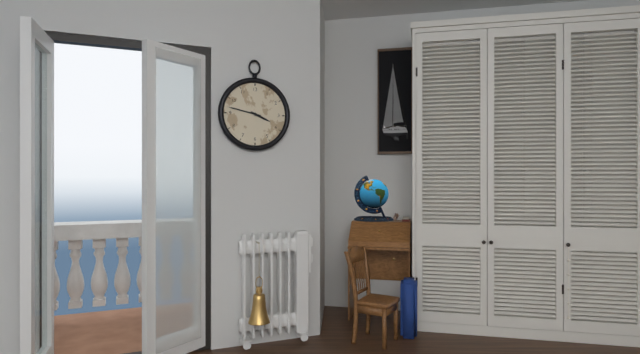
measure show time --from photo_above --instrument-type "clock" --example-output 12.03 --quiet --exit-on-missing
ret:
3.47
